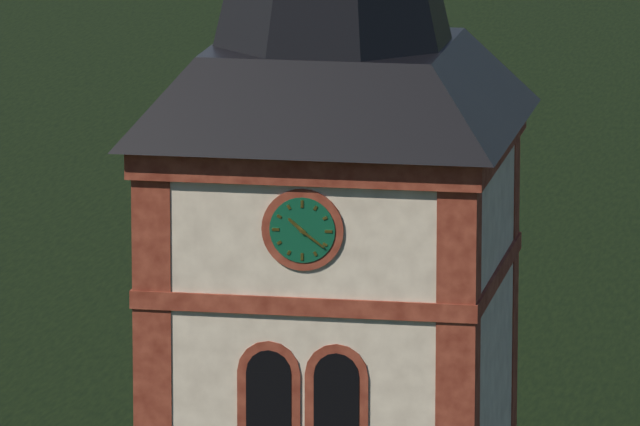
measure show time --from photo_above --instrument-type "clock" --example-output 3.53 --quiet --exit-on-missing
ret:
10.21
